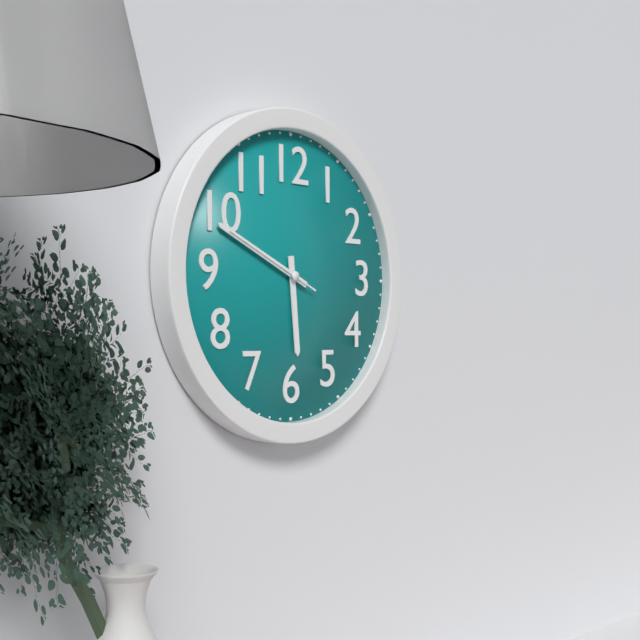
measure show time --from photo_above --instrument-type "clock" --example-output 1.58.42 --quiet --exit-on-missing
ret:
5.49.49
